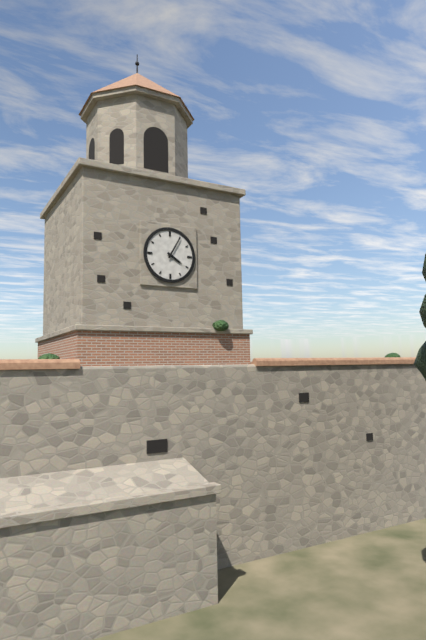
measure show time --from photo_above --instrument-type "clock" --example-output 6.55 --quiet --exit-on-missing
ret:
4.05
